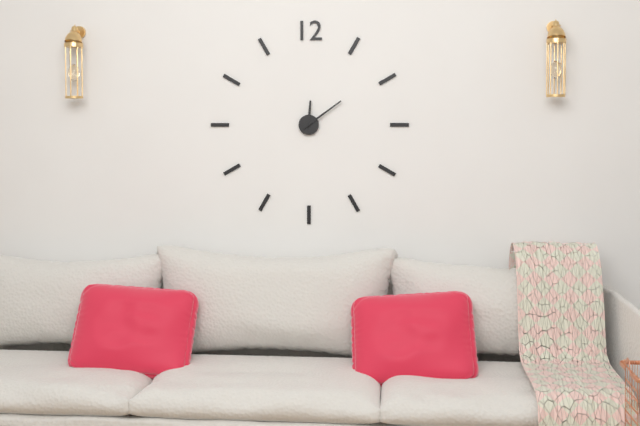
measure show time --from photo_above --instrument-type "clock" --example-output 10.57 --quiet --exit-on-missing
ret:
12.09
